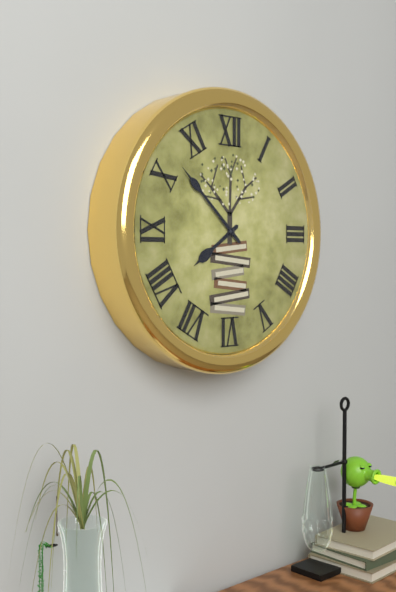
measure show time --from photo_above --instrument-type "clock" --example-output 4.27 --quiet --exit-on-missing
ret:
7.52
